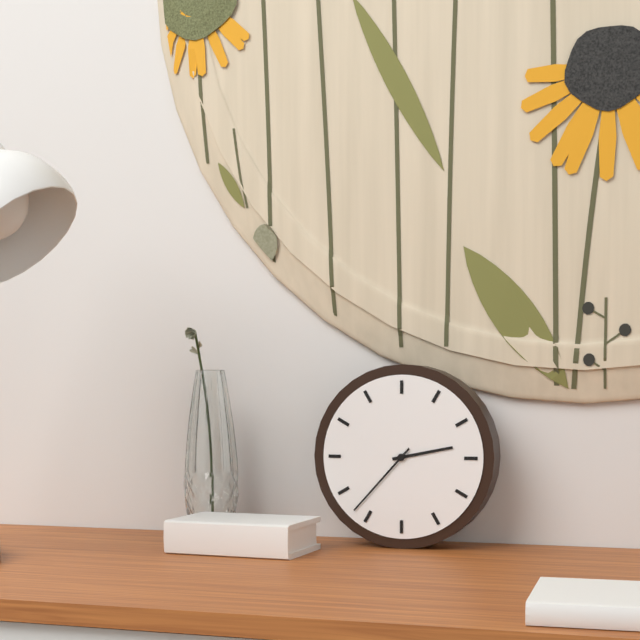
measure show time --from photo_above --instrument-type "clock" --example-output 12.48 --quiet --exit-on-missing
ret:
2.37
